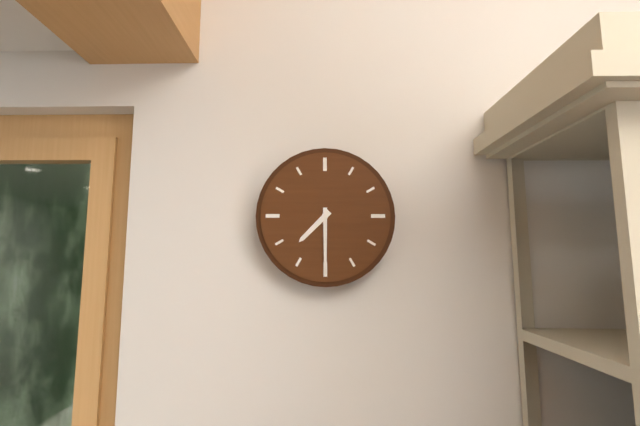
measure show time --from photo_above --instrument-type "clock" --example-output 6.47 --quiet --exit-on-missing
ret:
7.30
